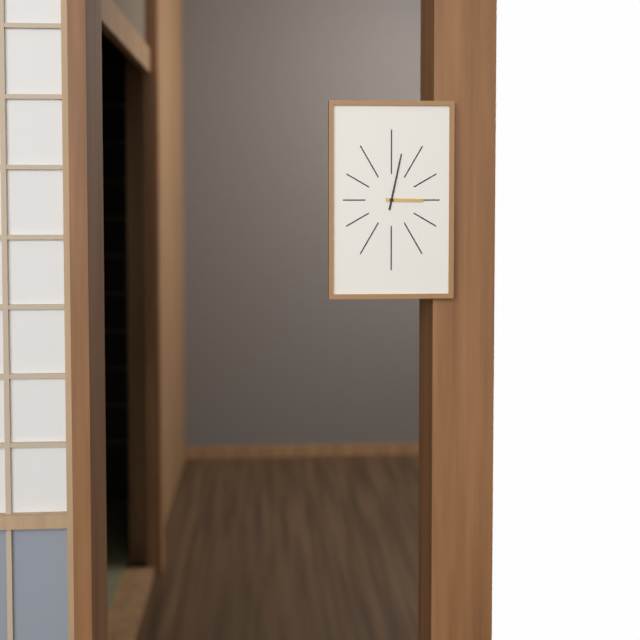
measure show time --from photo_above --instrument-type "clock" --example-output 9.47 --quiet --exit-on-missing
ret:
3.02
